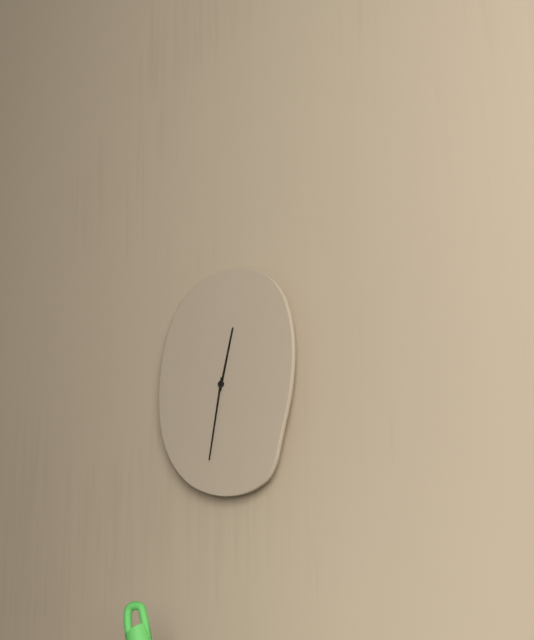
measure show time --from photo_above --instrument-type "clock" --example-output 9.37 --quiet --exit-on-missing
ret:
12.32
